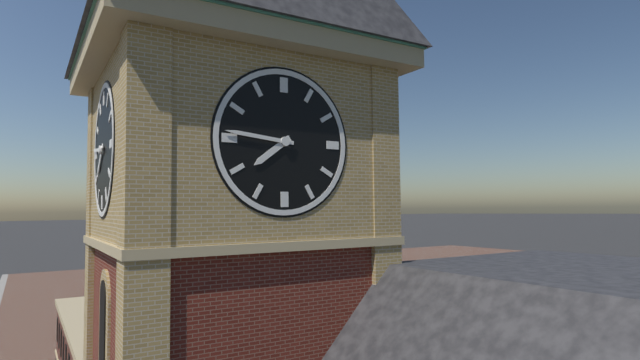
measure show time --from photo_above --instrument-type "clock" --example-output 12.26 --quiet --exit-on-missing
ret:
7.46
